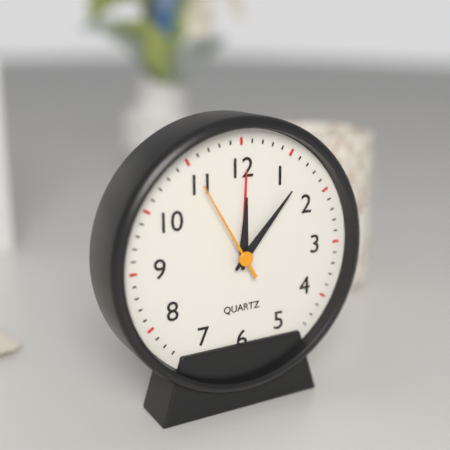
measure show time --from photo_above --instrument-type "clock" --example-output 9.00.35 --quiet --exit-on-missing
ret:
12.07.55
